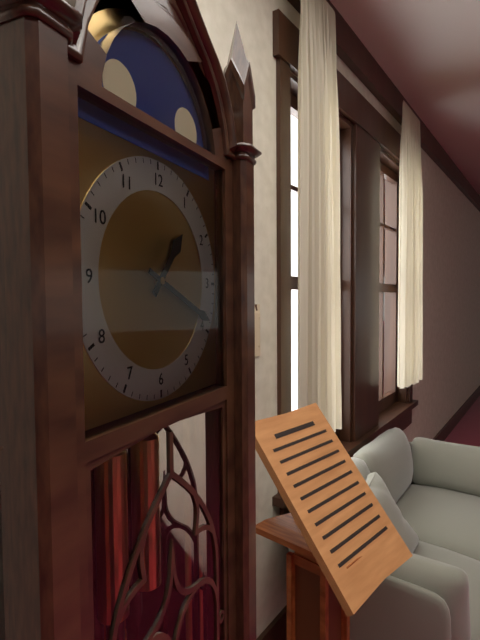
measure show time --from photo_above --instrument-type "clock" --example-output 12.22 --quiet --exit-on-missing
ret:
1.19
